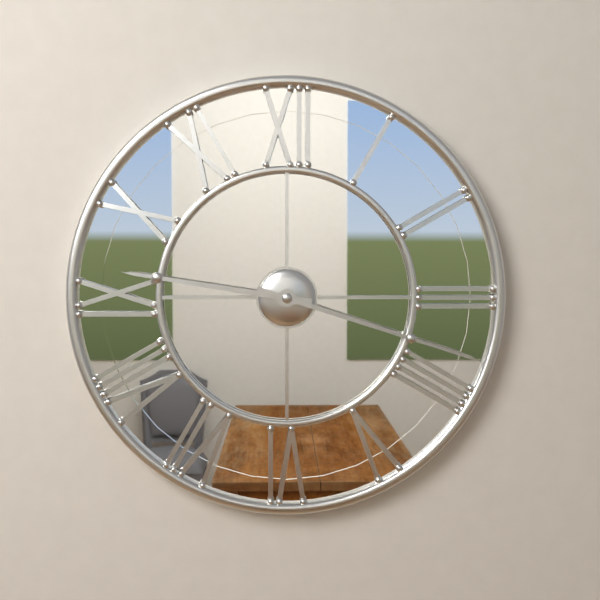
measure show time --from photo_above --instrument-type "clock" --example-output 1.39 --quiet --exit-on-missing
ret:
9.18
